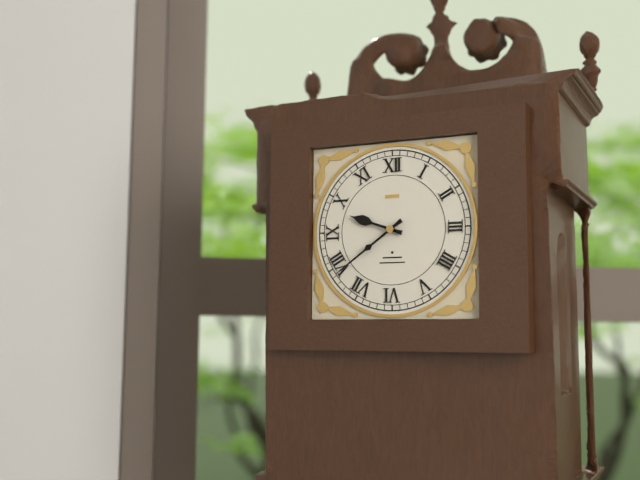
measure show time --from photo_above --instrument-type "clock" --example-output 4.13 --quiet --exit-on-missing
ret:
9.39
